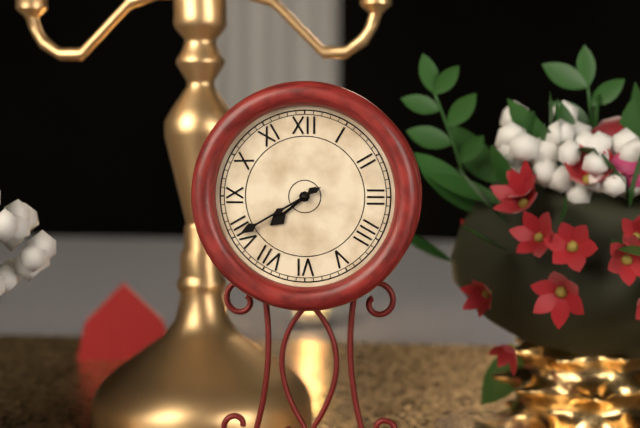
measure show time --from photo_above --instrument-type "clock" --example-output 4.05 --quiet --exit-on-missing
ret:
7.40
